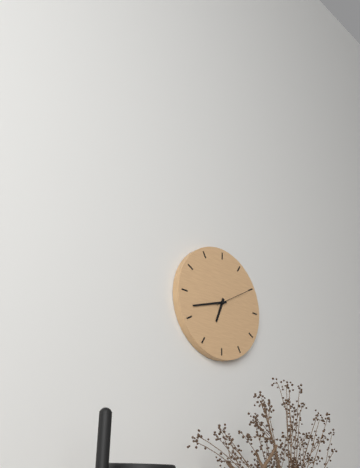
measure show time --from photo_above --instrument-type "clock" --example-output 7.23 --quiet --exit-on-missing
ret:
6.42
